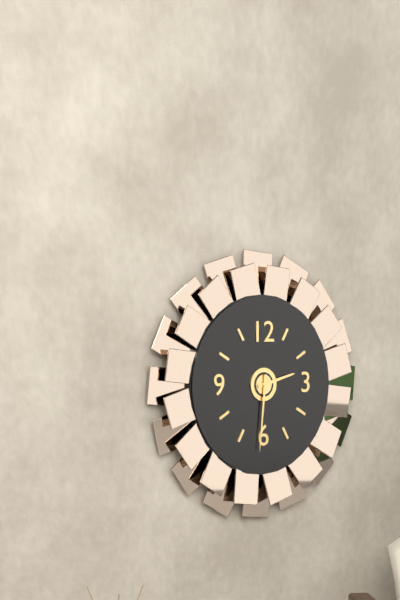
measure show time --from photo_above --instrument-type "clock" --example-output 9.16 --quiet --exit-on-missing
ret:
2.31
